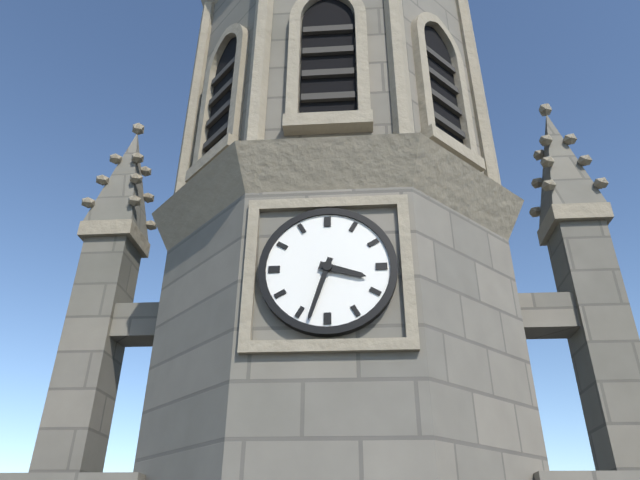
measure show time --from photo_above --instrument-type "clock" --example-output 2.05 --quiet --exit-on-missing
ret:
3.33
